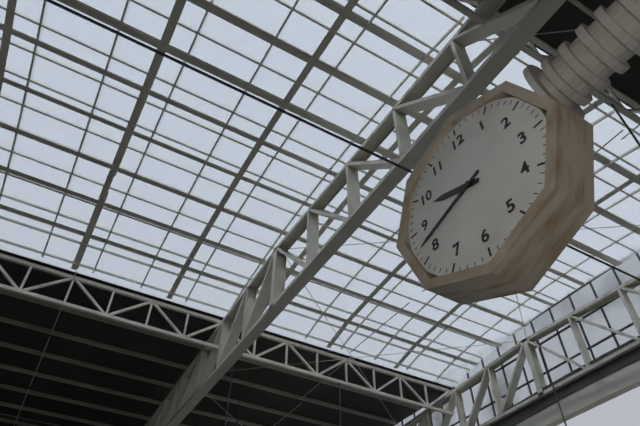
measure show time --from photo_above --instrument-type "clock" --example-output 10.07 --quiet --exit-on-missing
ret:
9.42
